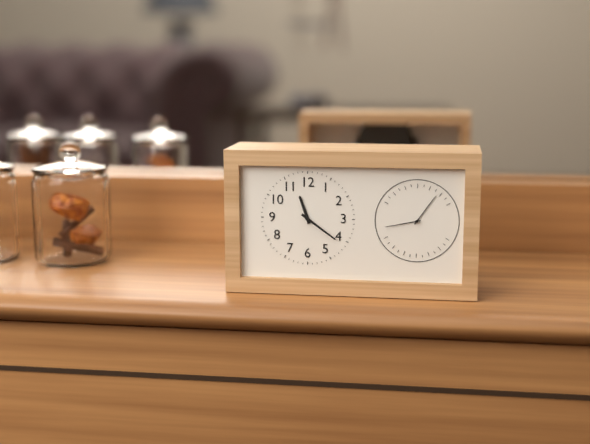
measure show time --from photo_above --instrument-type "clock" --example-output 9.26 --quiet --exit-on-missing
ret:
11.21
